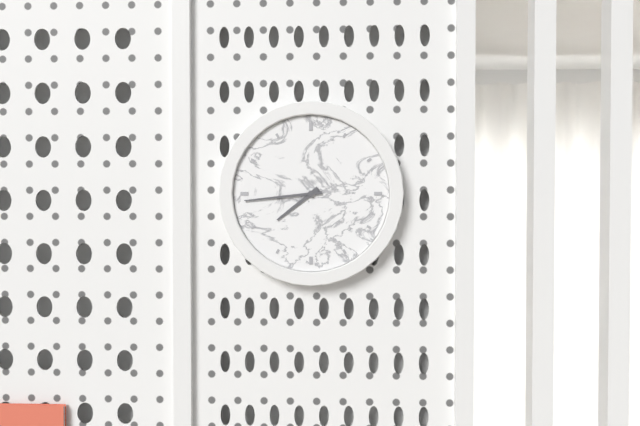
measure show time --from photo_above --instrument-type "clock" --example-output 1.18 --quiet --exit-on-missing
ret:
7.44
